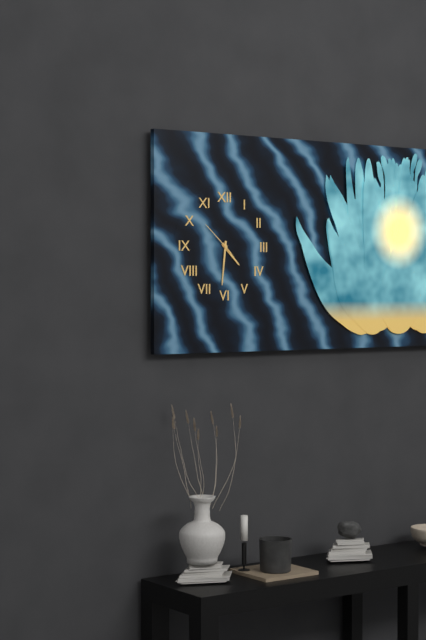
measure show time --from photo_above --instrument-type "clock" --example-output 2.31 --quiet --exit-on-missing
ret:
4.31
